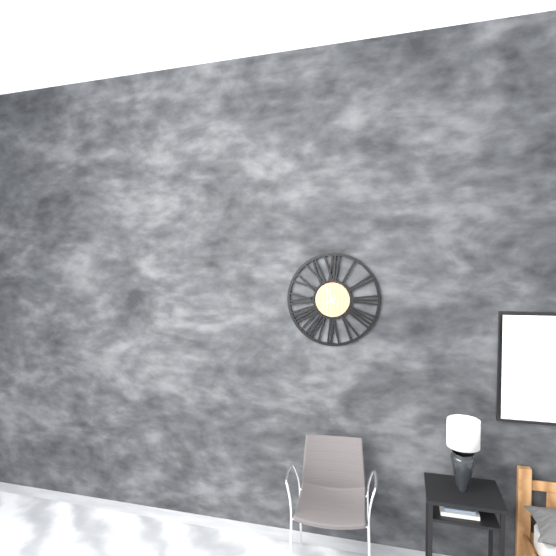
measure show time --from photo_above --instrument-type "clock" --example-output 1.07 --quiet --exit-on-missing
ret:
7.56
